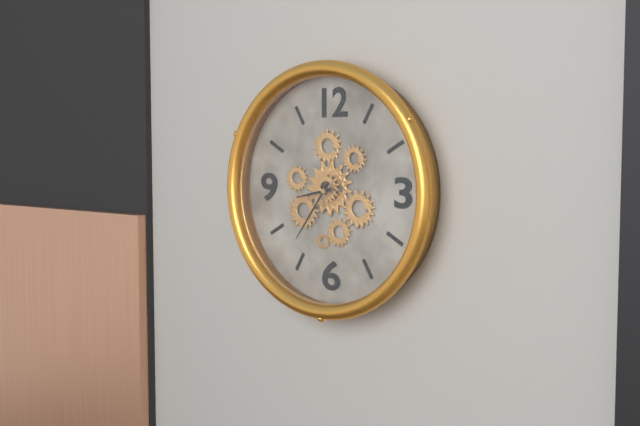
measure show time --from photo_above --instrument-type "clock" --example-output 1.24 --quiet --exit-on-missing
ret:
8.36
